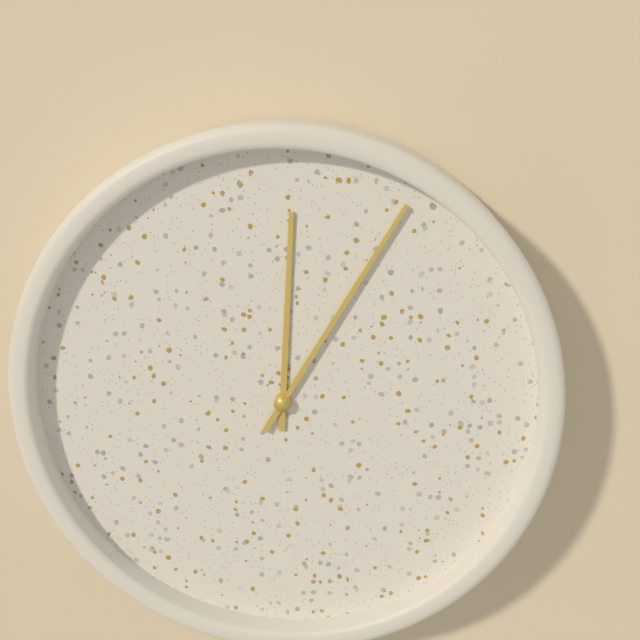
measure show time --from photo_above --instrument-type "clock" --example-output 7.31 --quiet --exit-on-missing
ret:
12.05
